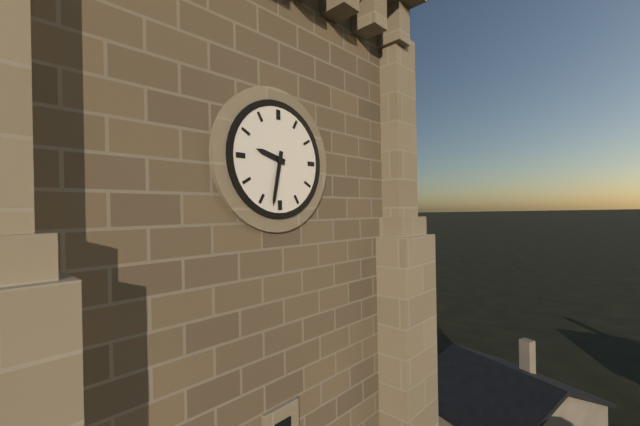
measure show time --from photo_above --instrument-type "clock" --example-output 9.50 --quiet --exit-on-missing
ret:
9.32
